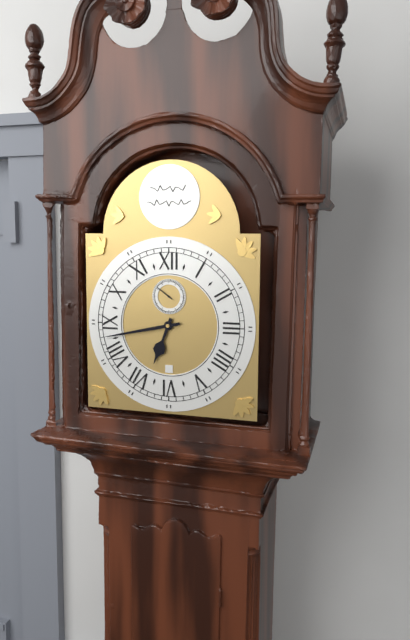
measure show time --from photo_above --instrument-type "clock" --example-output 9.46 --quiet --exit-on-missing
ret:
6.43
